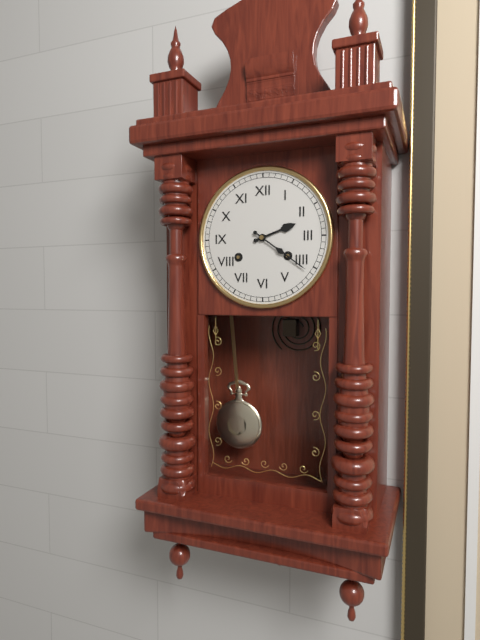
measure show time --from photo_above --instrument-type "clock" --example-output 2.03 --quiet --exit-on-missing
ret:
2.21
